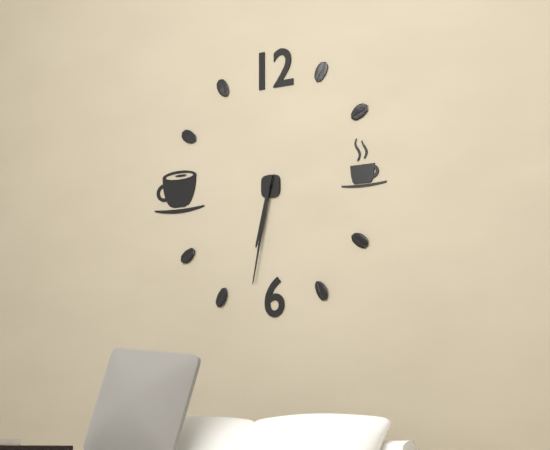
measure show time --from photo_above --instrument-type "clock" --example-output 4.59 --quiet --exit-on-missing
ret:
6.32
